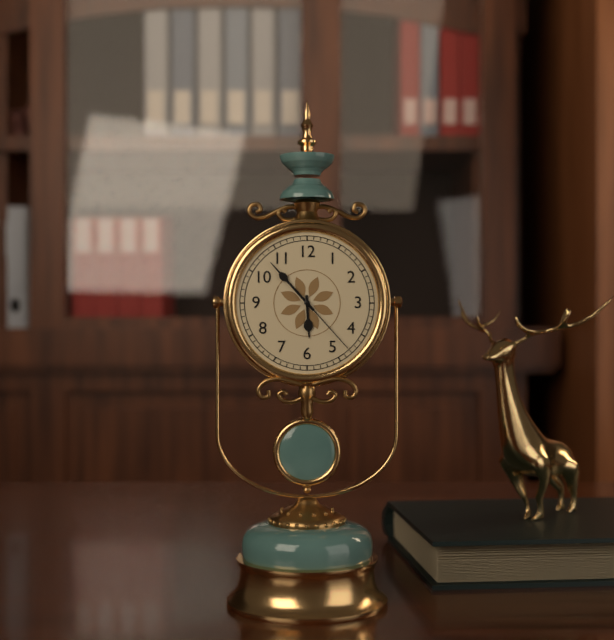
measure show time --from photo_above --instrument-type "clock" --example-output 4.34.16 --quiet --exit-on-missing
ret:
5.53.23
